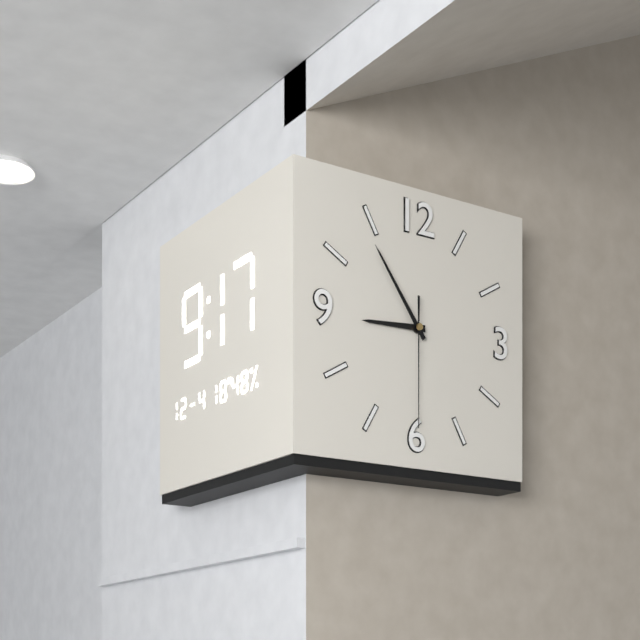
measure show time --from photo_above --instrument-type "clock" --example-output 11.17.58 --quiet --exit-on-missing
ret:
8.54.30
